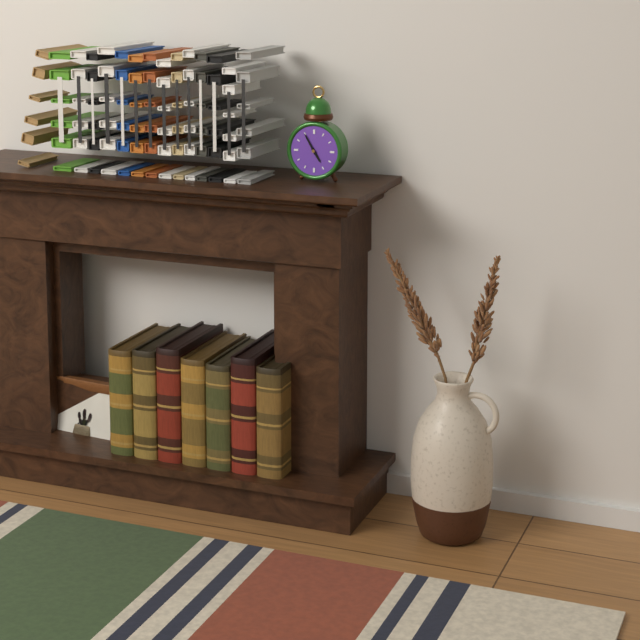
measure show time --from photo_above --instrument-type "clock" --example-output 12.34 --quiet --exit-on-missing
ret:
4.55
